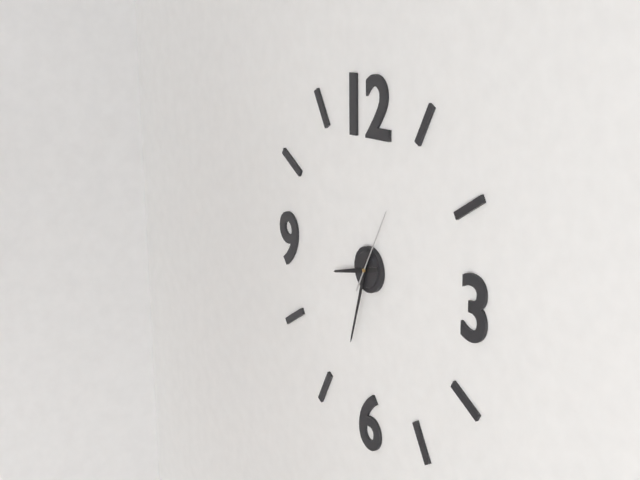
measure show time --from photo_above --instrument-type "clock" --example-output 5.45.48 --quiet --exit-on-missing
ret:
8.33.05
